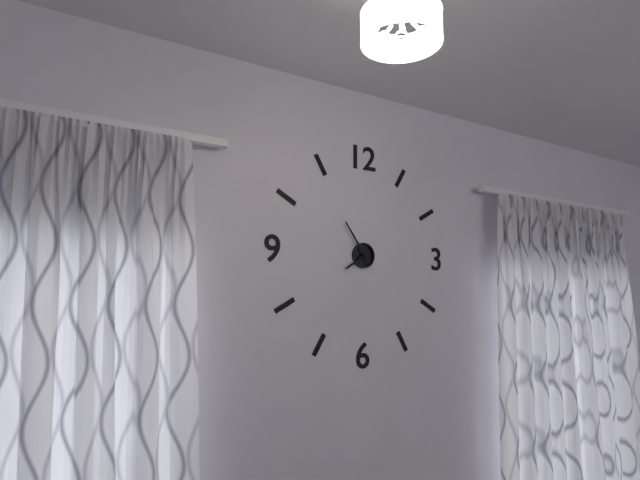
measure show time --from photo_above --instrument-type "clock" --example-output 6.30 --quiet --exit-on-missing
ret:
7.54
